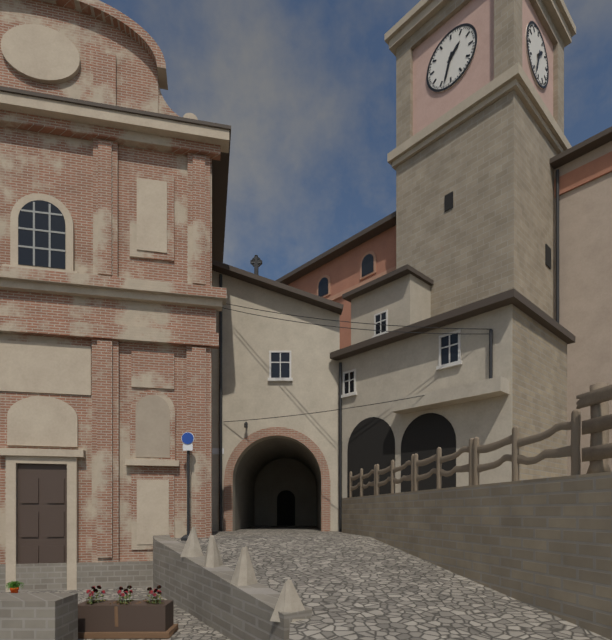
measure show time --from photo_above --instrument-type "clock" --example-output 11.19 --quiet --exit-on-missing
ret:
1.33
